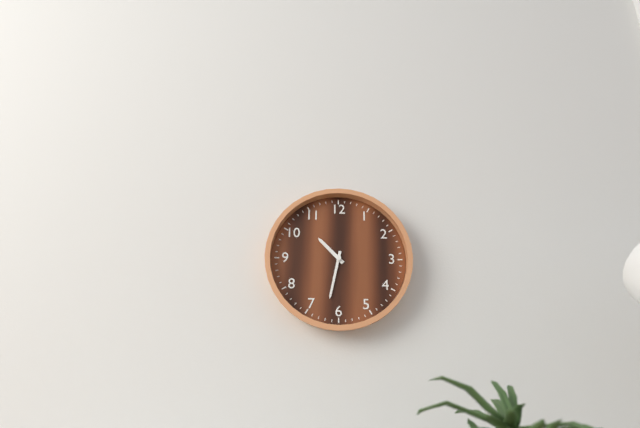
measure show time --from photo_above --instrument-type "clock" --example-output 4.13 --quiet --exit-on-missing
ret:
10.32
